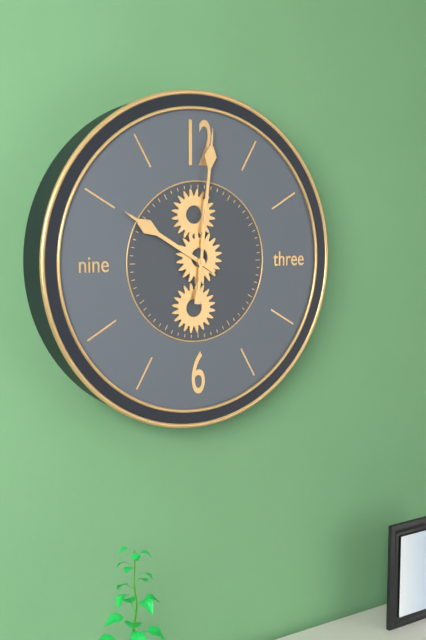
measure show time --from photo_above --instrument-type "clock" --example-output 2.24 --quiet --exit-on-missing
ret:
10.01
